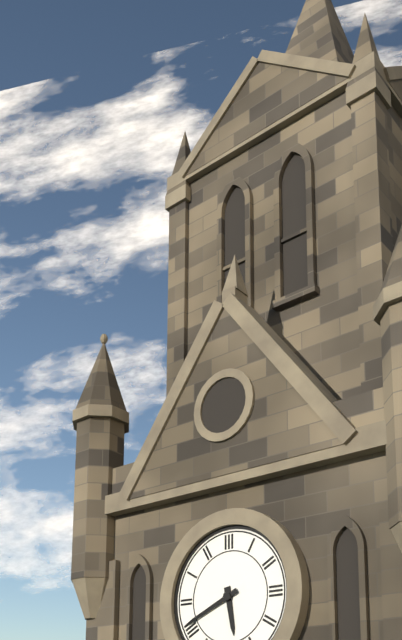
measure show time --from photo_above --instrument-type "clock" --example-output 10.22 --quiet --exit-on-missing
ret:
5.41
